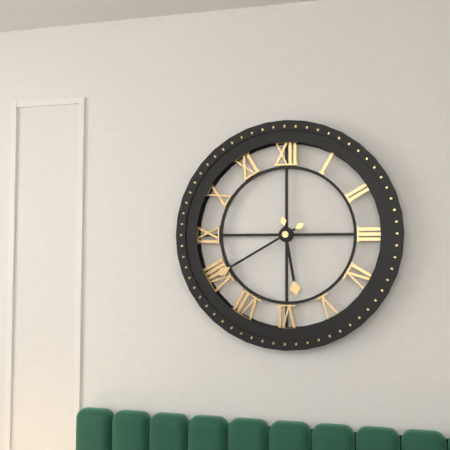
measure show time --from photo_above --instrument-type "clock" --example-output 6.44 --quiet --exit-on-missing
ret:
5.40
